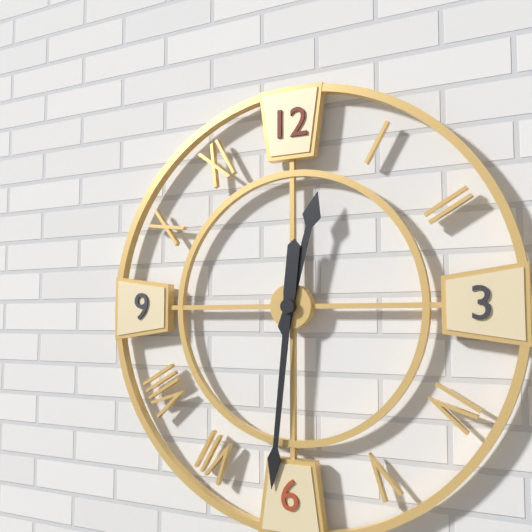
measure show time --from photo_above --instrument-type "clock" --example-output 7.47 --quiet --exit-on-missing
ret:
12.31
